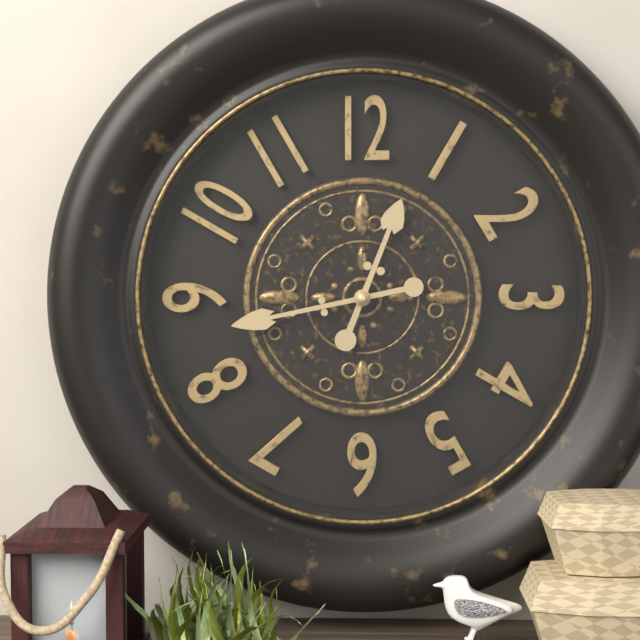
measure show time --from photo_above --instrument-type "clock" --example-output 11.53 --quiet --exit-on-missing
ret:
12.43
